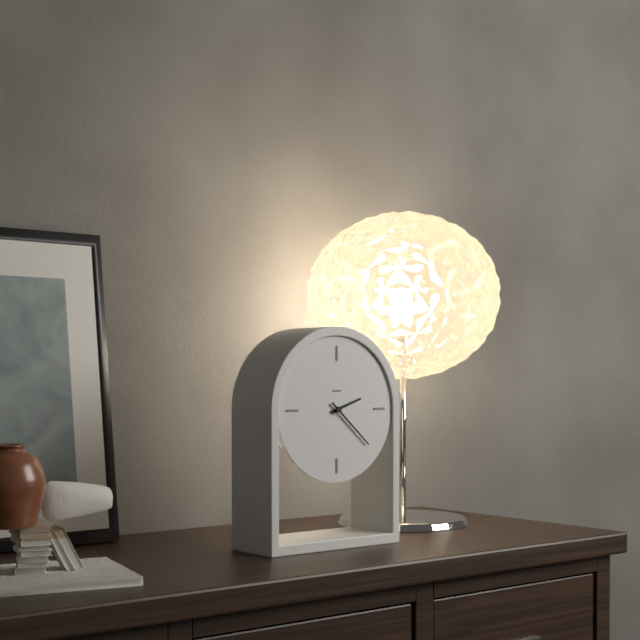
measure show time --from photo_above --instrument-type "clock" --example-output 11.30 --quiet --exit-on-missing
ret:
2.22
